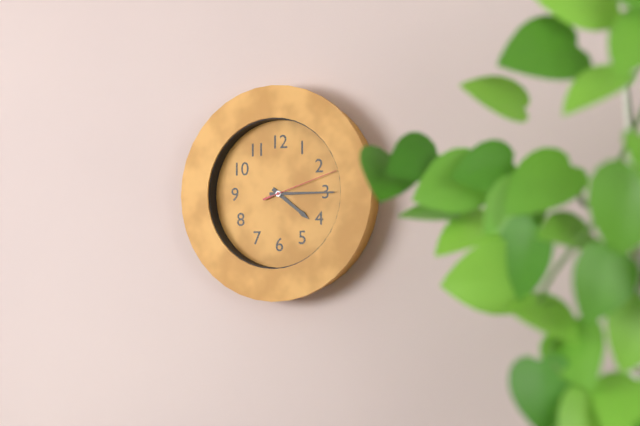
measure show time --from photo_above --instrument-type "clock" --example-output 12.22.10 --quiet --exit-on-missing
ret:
4.15.12
